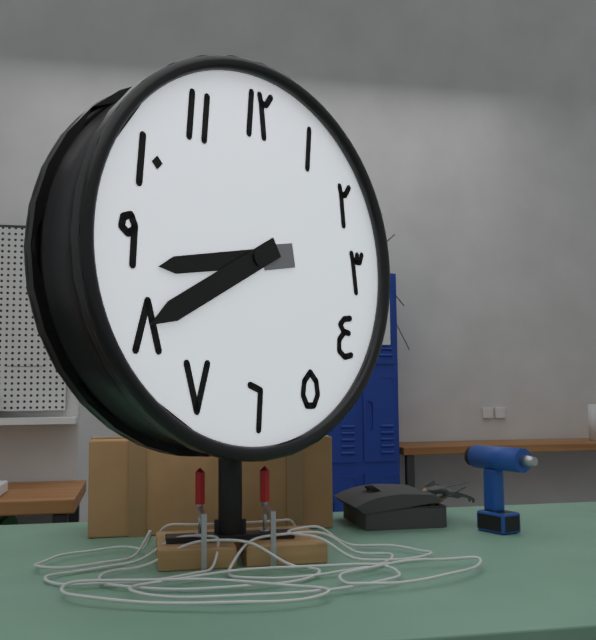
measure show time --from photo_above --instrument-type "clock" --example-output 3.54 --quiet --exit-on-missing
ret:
8.40
